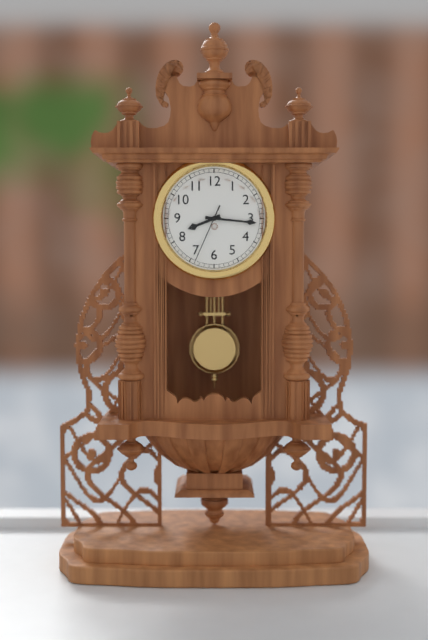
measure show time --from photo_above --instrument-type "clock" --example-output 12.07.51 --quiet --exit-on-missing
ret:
8.16.34
